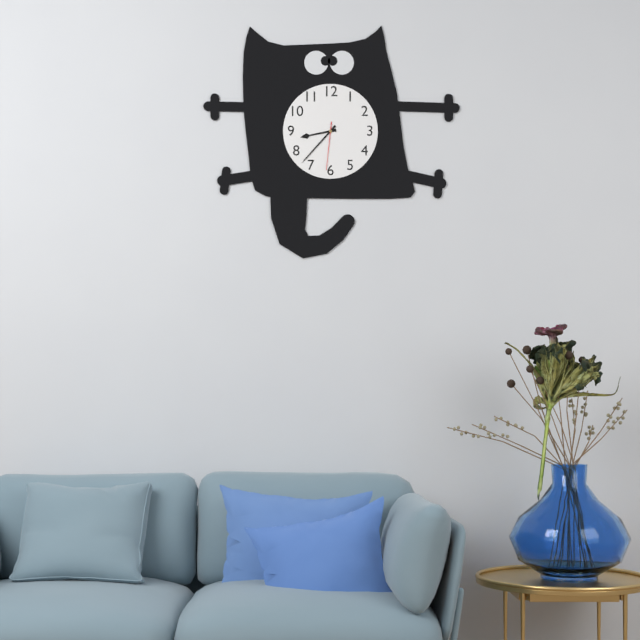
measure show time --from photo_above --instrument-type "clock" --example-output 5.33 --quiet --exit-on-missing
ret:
8.37
